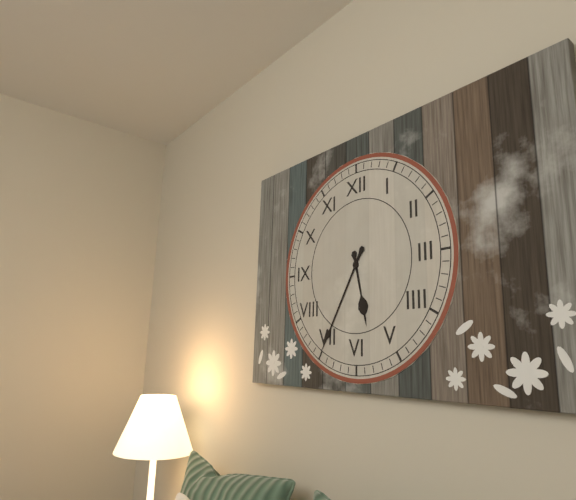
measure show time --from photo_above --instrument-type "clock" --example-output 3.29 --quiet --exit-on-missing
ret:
5.35
